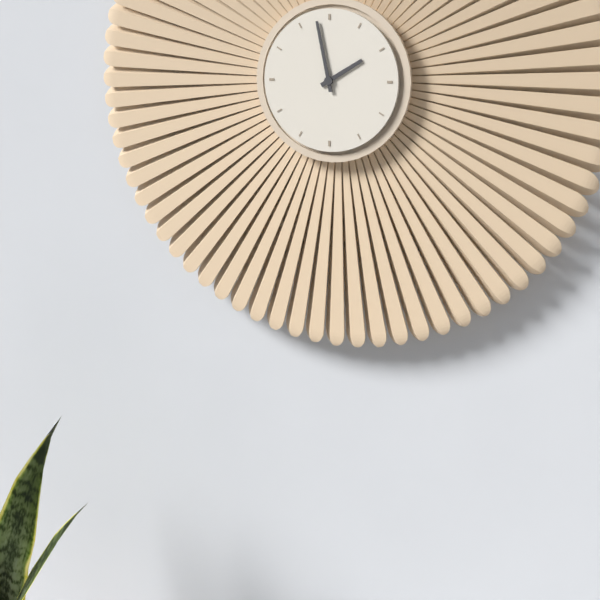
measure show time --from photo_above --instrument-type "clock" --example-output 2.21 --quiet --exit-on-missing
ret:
1.58
